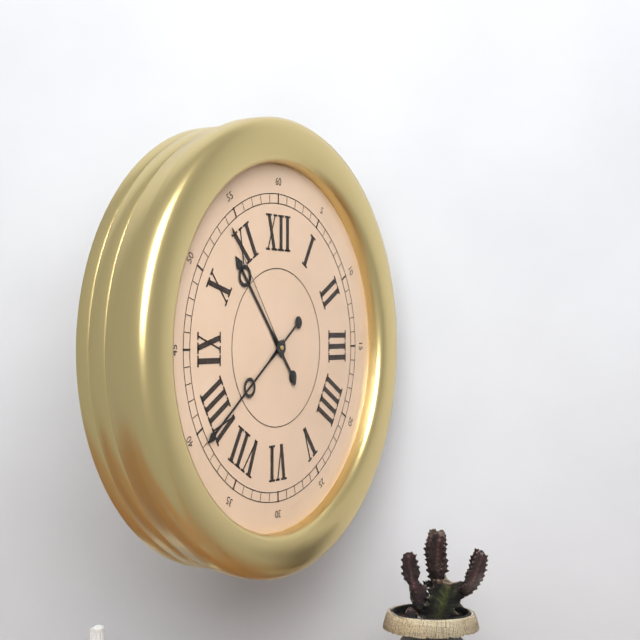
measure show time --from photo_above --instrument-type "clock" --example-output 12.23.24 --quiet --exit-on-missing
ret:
10.39.54
